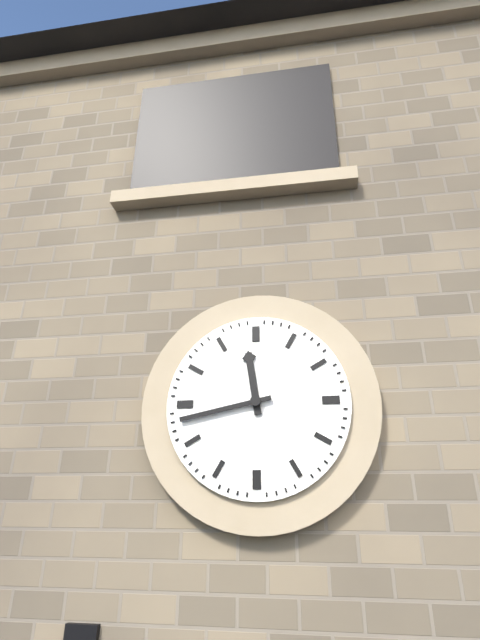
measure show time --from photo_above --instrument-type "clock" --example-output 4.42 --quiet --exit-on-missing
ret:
11.43
